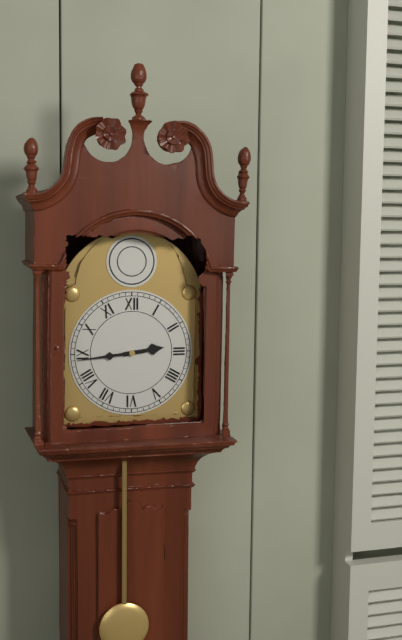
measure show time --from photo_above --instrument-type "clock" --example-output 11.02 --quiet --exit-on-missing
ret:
2.44
